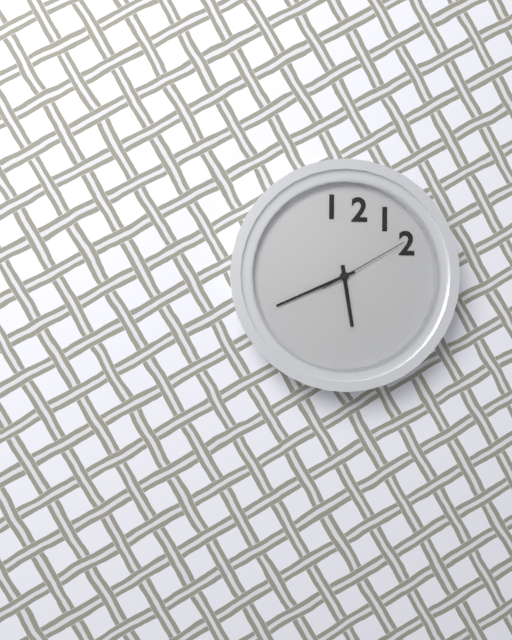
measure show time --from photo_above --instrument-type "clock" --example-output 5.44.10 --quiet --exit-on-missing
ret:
5.41.10
